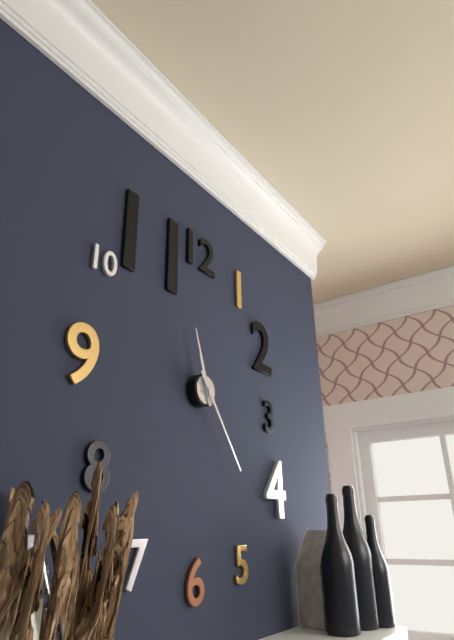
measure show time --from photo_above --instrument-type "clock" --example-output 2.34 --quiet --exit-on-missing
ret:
11.24
